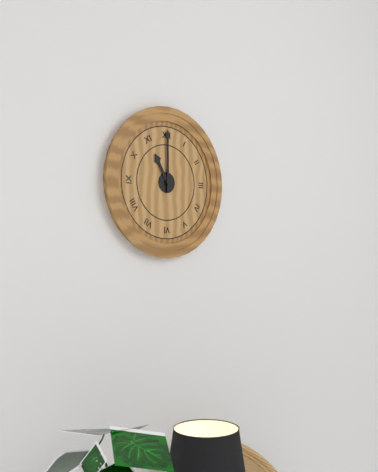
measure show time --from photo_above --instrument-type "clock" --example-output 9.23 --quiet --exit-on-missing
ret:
11.00
